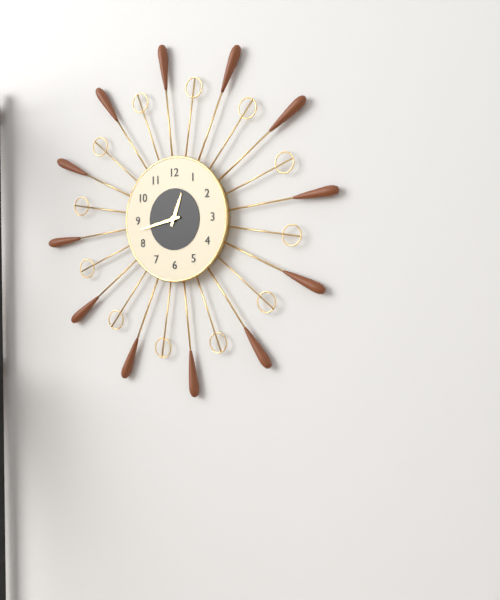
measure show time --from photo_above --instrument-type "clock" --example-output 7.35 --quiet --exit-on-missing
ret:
12.43
